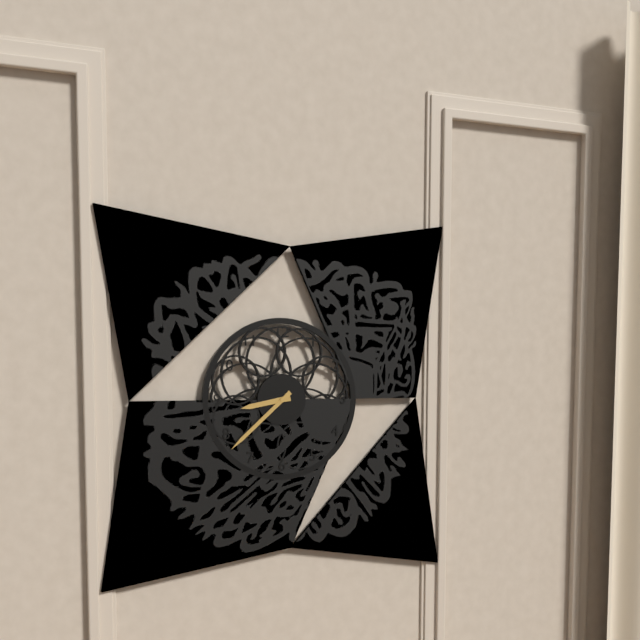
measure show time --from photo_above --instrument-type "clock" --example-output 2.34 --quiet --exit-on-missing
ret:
8.38
